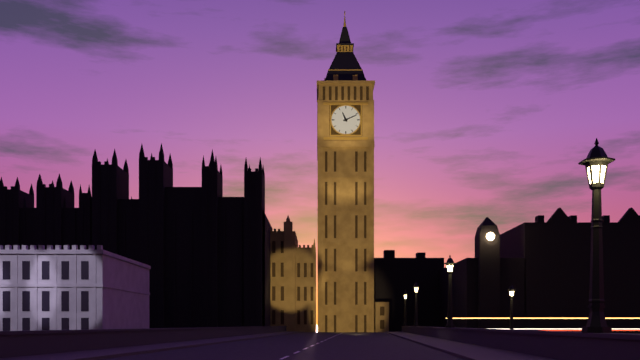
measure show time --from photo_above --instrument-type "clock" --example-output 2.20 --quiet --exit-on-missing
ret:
11.11
